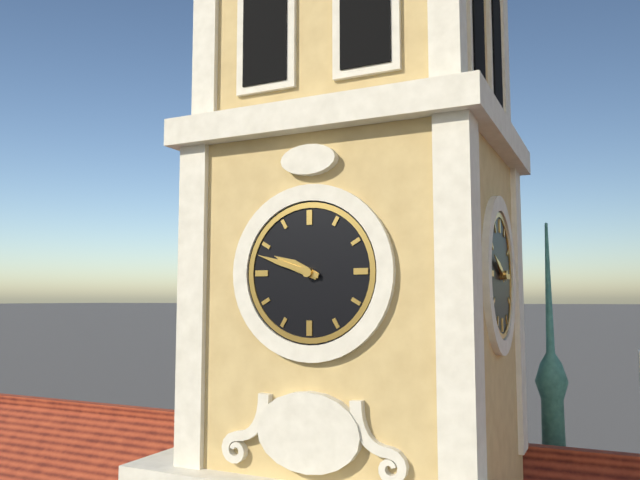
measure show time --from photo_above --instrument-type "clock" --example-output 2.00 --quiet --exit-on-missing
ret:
9.48
